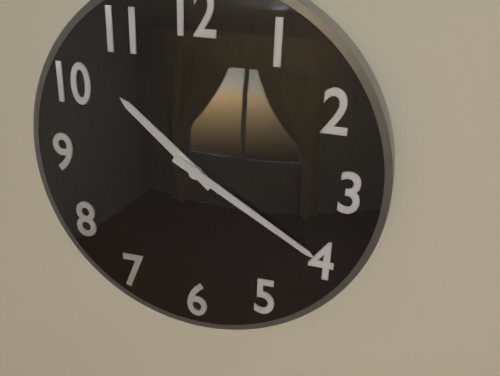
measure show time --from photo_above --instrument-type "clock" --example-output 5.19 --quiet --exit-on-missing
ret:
10.20
